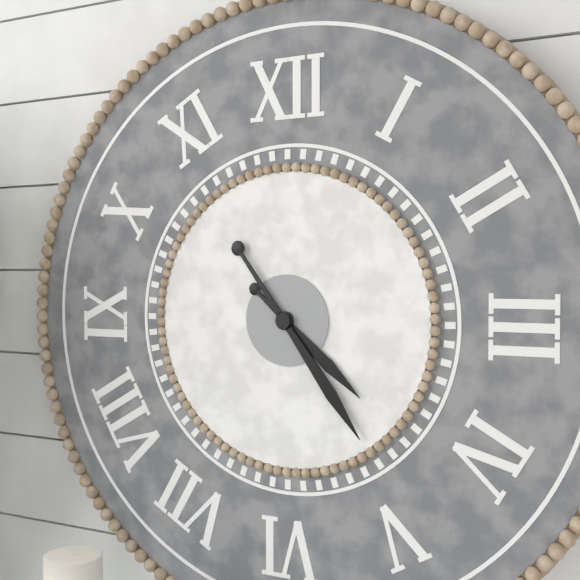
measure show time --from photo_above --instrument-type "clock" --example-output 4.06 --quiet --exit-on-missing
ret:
4.24
